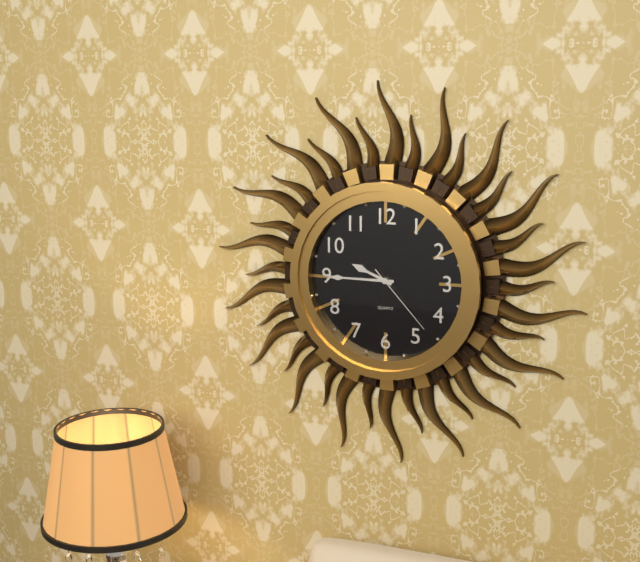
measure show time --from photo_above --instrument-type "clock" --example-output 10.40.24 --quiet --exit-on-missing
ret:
9.45.23
